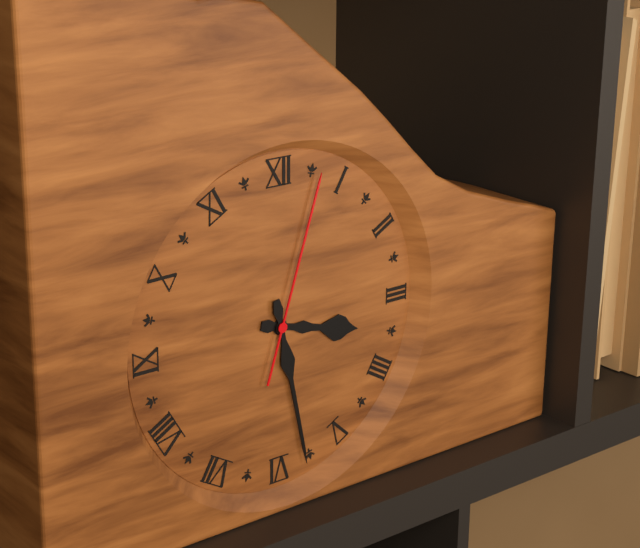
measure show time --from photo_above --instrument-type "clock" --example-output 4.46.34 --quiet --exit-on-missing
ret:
3.28.03
